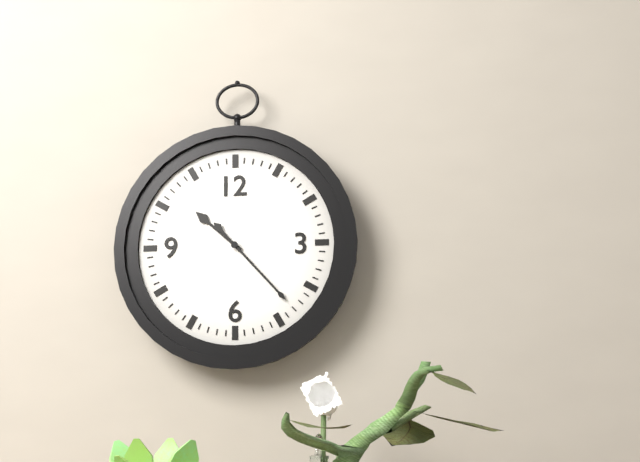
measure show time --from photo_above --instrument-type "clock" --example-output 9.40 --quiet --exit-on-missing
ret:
10.23
